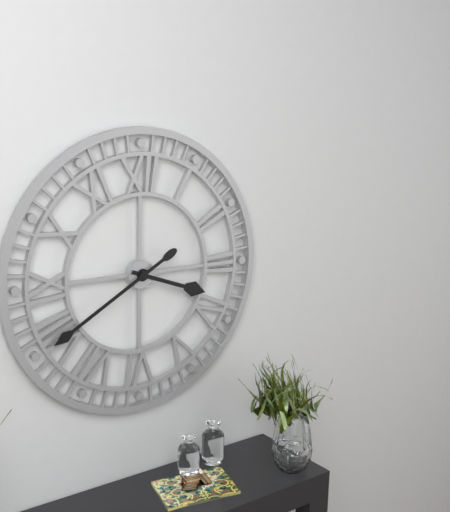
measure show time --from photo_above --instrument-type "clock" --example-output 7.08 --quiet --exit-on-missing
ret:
3.40
